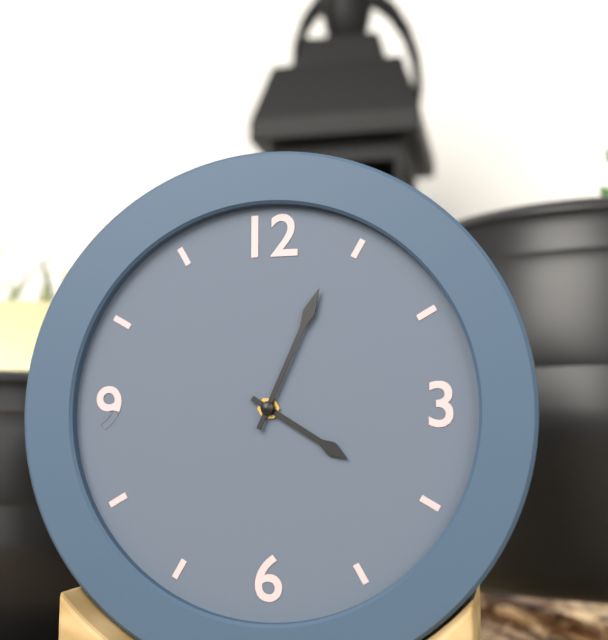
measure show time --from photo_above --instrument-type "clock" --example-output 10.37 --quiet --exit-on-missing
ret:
4.04
